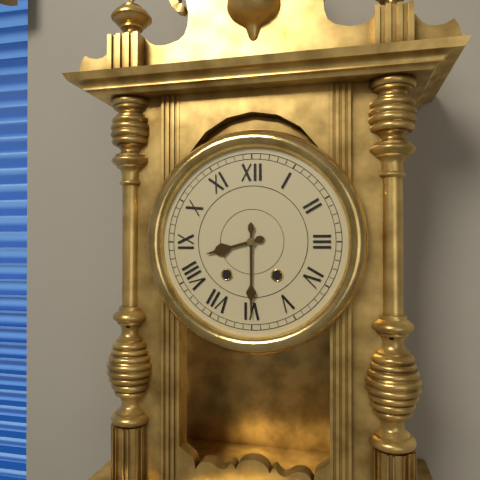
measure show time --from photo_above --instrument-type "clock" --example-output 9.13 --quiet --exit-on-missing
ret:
8.30
